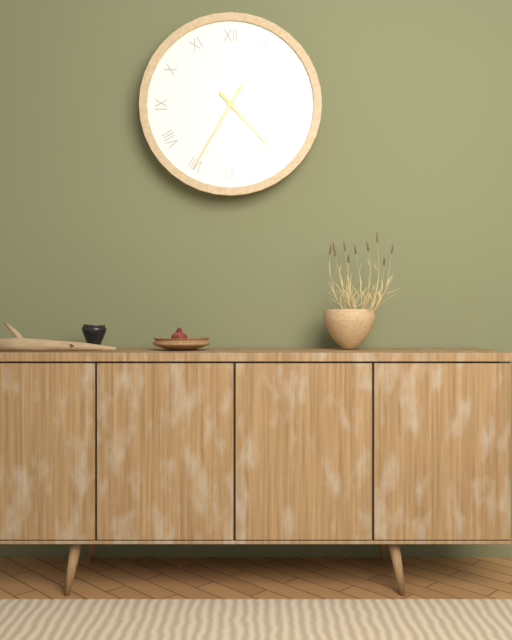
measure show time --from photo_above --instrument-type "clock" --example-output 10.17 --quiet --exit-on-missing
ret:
4.35
